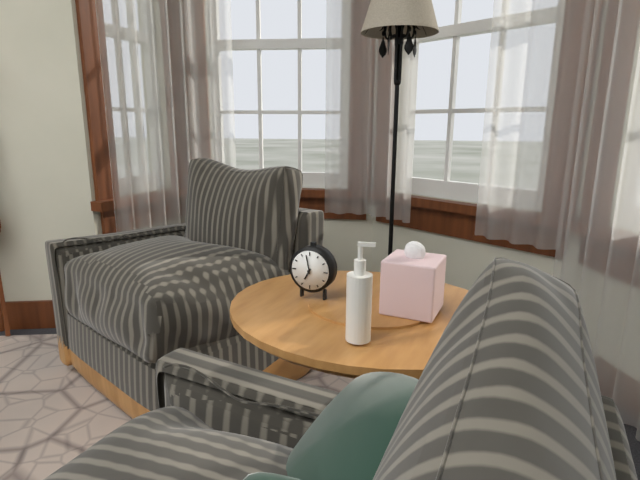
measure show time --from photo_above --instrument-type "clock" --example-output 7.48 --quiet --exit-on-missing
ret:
6.58
